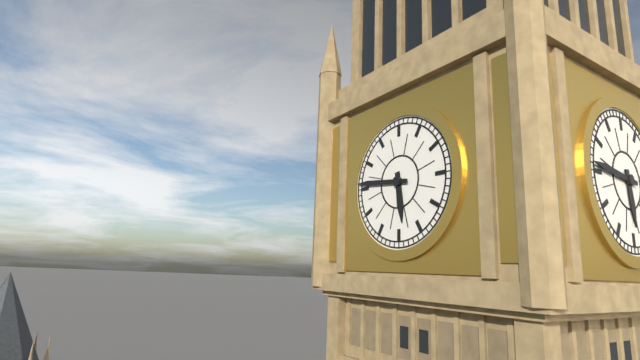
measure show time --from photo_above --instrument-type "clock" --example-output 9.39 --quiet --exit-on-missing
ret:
5.46
